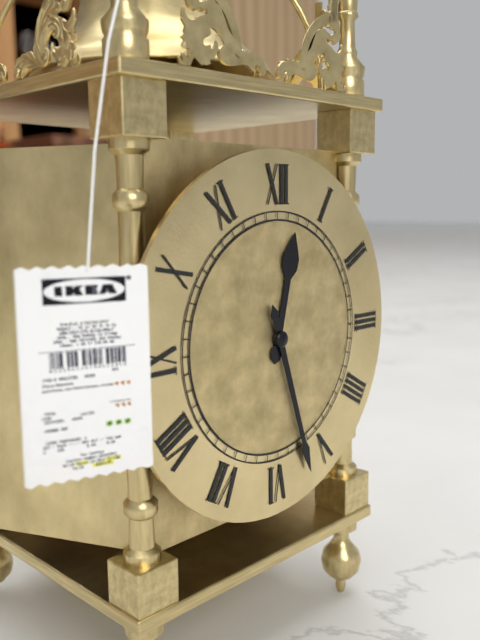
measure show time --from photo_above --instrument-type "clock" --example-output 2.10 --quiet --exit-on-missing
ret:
12.27
